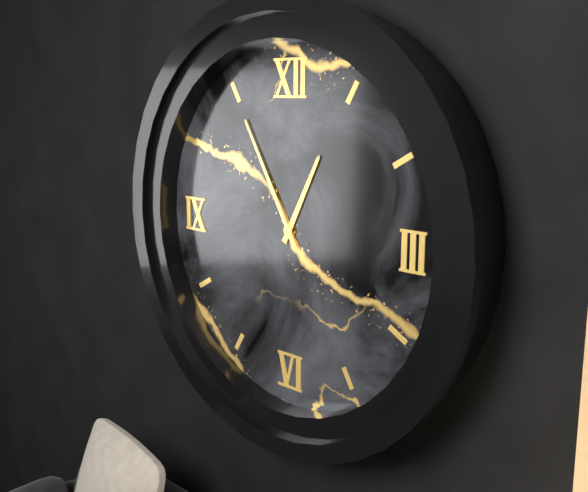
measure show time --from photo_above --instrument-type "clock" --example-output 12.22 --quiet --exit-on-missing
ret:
12.55
